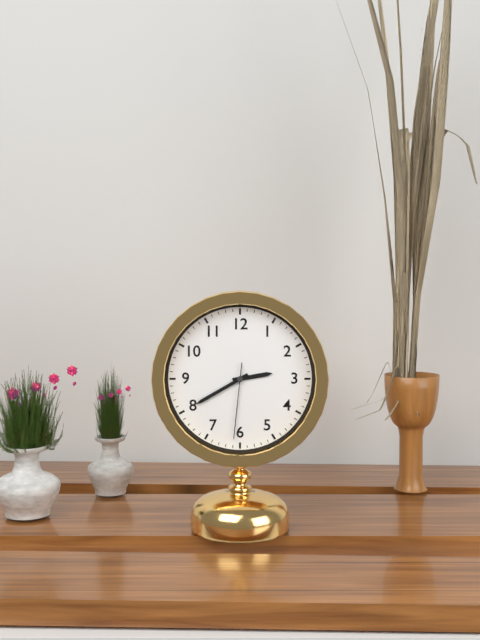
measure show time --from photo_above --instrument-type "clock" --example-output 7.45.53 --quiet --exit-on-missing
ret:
2.40.31
